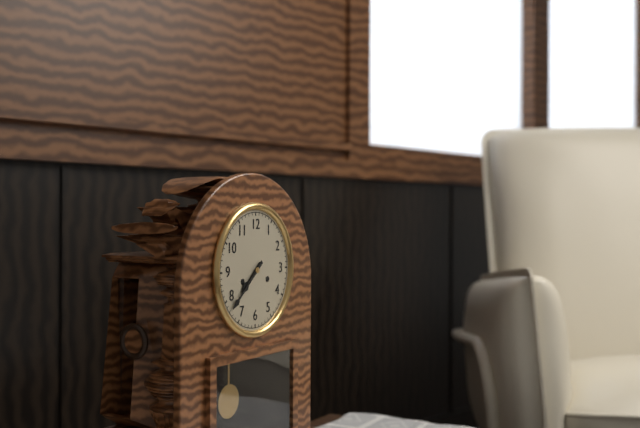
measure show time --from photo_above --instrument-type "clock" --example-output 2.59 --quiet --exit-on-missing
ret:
7.38
